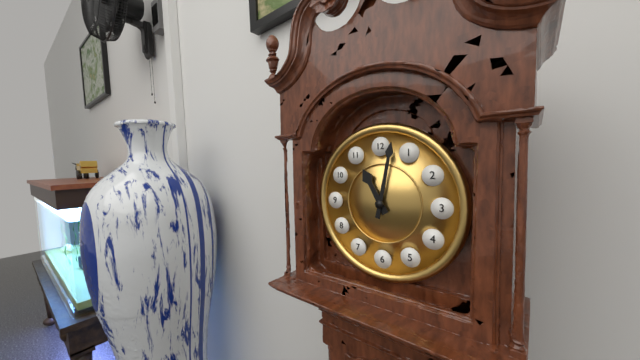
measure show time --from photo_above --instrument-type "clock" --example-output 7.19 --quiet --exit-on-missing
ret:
11.02
